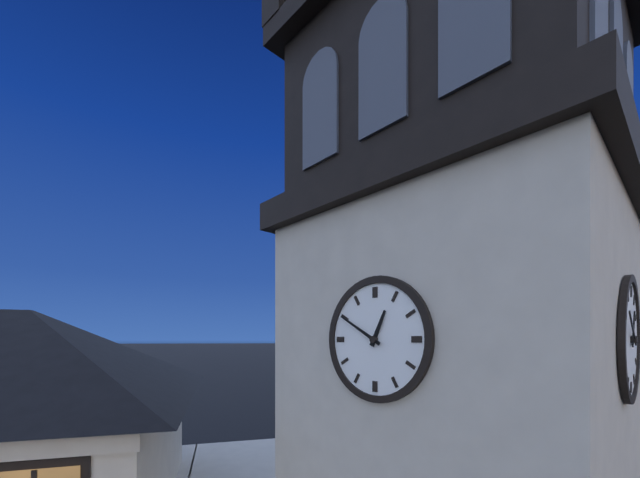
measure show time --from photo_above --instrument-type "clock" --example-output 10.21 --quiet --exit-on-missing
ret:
12.50
